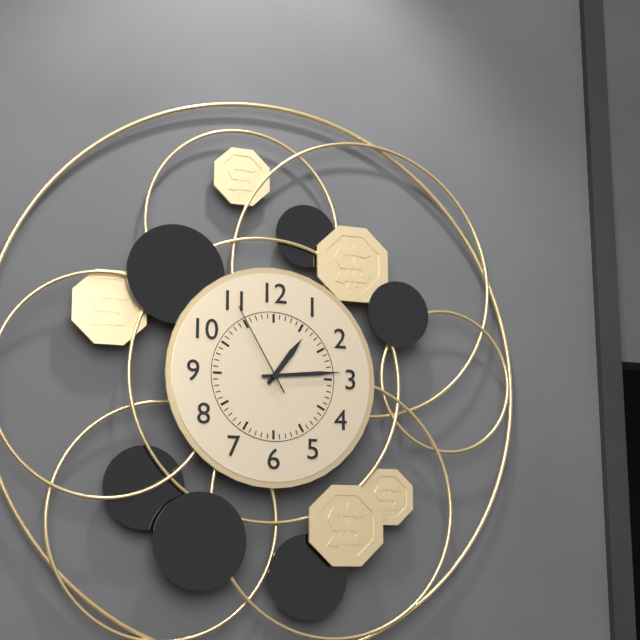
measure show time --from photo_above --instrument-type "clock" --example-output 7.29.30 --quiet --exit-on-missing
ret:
1.14.55
